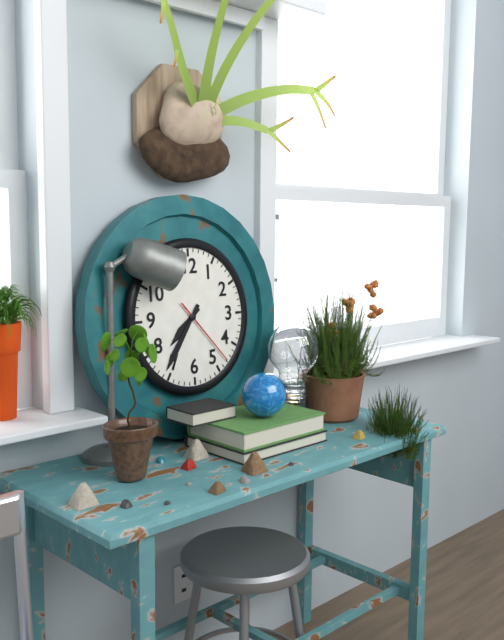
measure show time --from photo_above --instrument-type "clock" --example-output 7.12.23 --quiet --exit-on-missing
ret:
7.36.23
